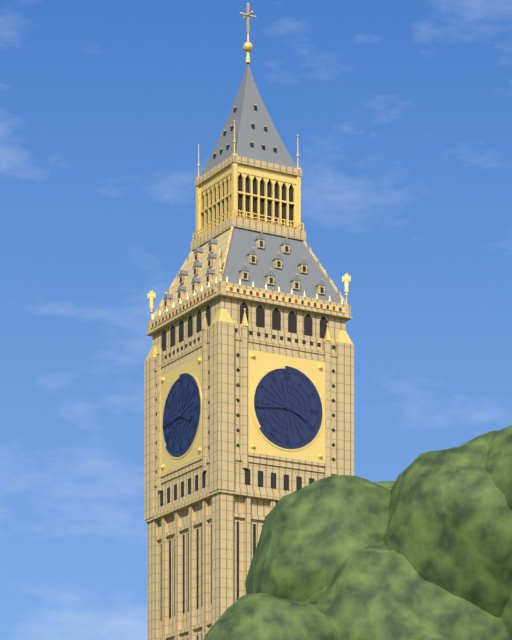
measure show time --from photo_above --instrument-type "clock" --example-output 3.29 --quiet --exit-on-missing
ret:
3.44
